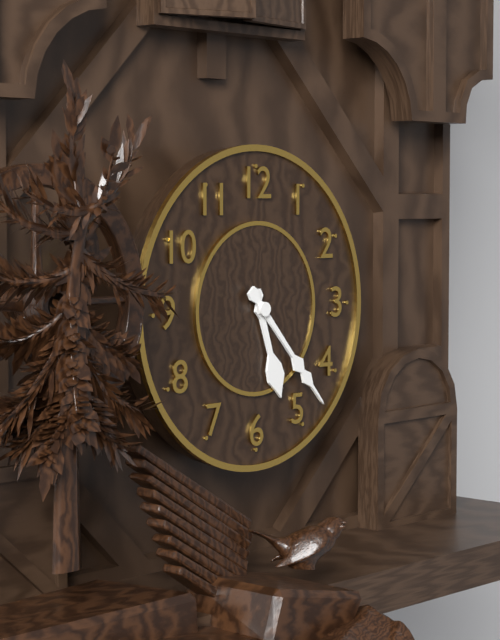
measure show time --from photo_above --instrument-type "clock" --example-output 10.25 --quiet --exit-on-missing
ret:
5.23
